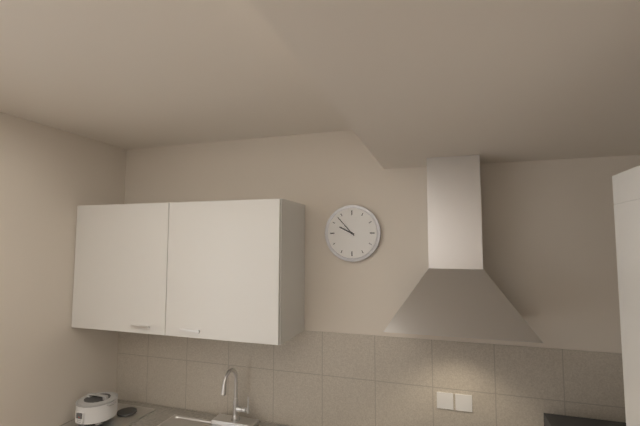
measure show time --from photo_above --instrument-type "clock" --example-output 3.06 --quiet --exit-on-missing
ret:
9.53
